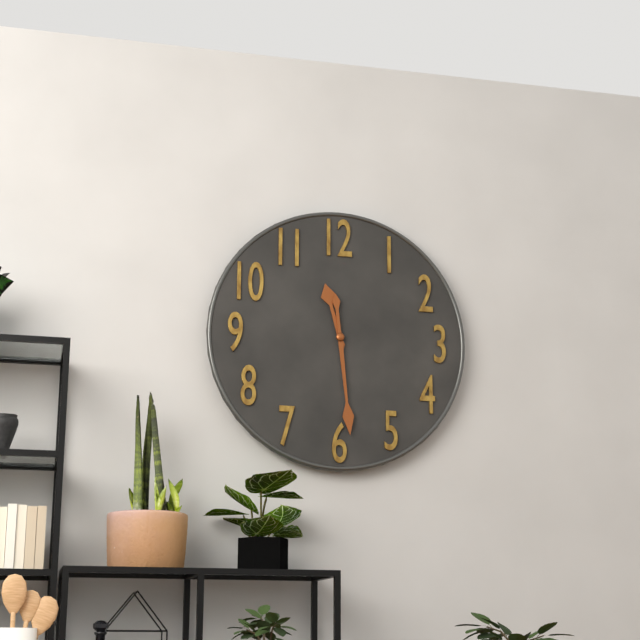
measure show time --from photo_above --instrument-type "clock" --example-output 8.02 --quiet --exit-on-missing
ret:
11.29
